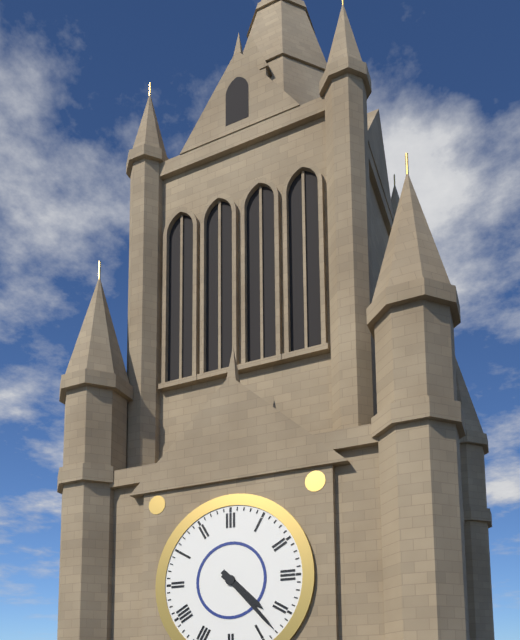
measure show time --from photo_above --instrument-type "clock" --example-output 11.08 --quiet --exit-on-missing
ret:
4.23
